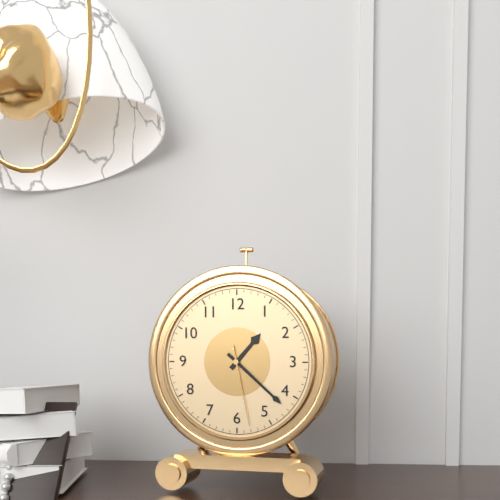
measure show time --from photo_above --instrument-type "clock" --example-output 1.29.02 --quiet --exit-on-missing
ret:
1.22.28
